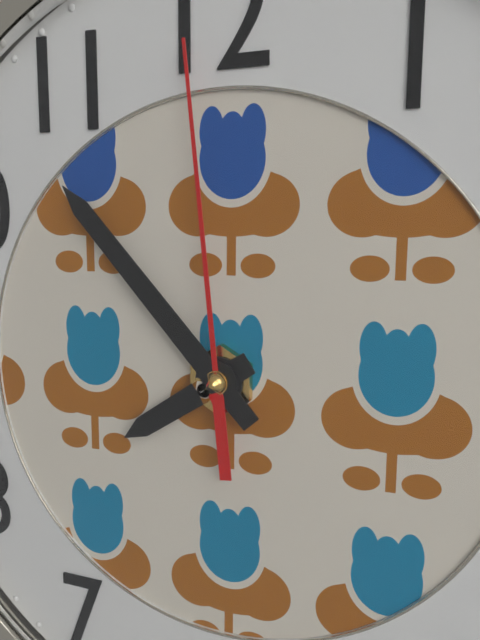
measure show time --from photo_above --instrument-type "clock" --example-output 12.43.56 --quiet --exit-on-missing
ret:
7.53.59
